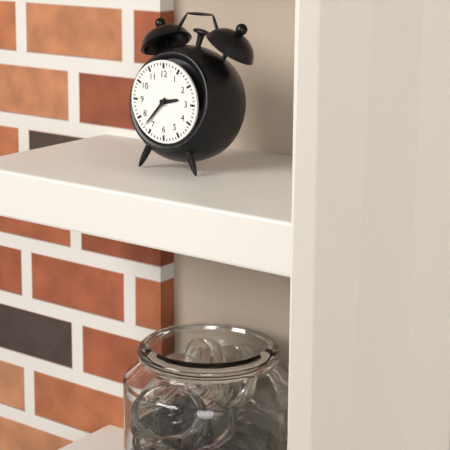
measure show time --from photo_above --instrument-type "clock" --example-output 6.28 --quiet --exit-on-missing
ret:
2.37
